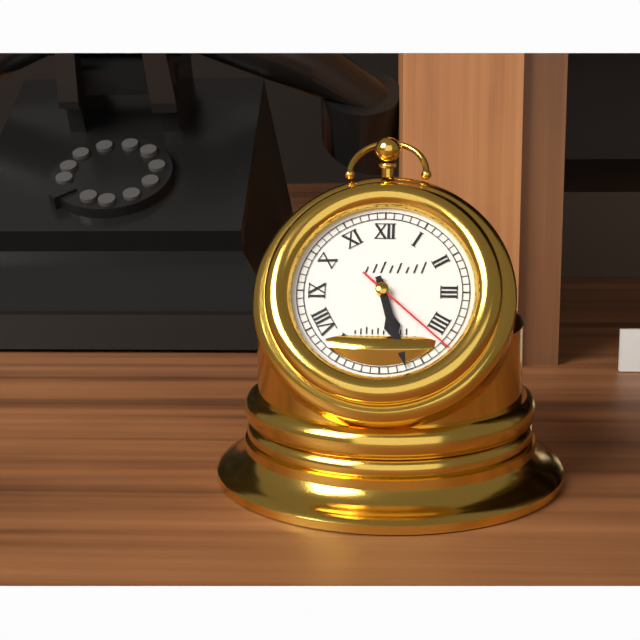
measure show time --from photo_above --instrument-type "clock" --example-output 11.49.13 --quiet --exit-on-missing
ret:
5.27.22
